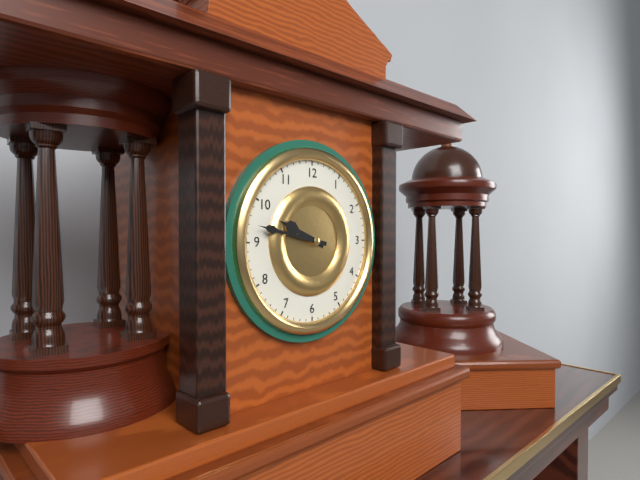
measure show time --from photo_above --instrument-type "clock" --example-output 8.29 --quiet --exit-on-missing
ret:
9.47
